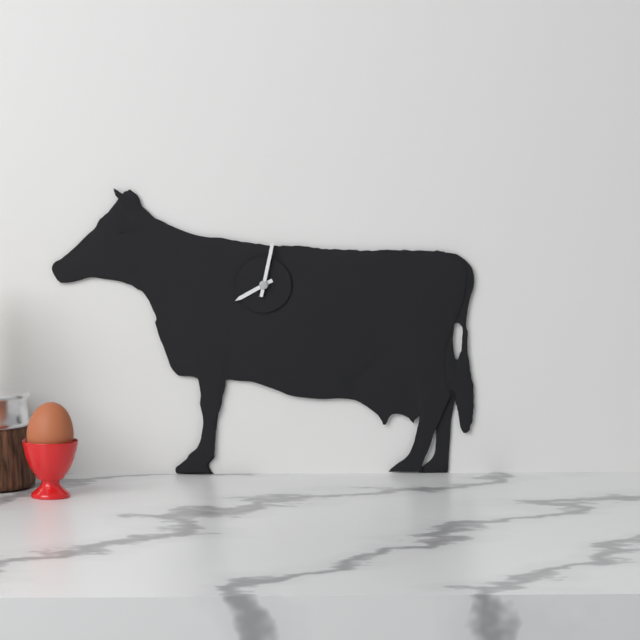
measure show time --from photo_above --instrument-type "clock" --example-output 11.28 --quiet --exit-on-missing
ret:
8.02
